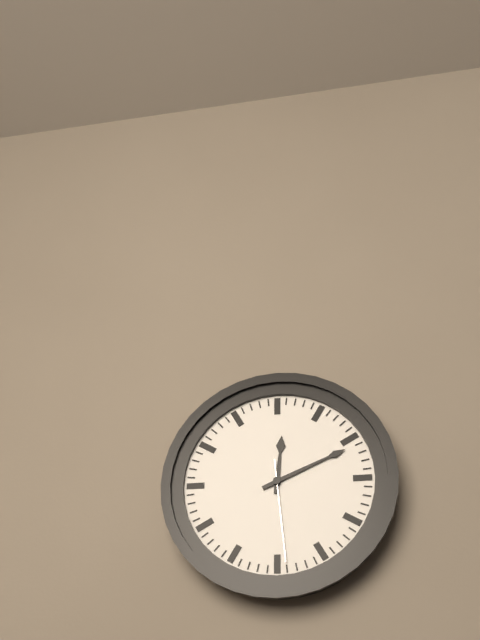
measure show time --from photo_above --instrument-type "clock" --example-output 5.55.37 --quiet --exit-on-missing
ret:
12.11.29
